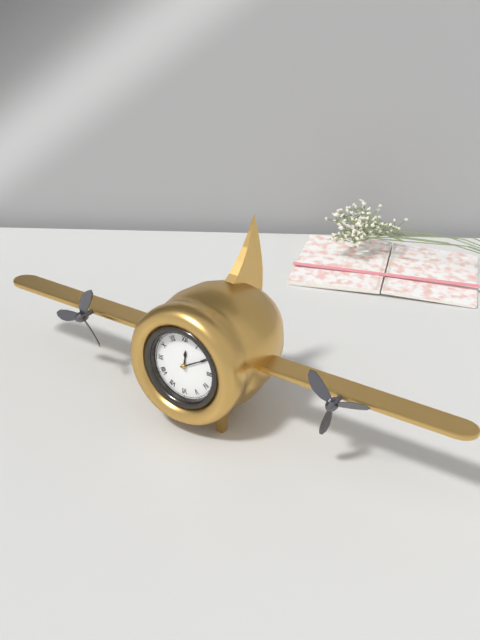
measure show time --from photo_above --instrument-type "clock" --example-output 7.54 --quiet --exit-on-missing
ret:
12.10
